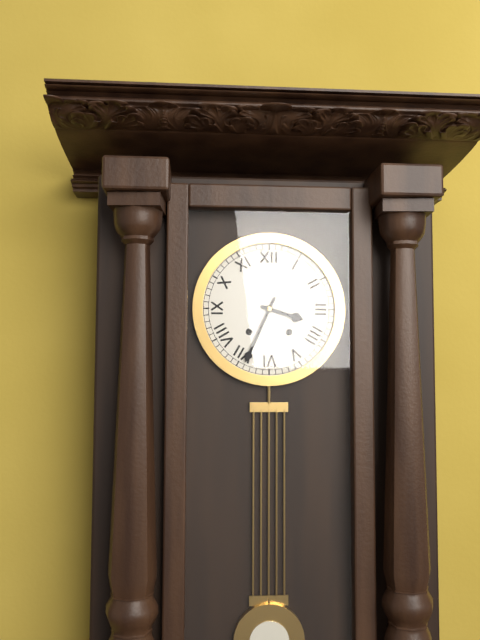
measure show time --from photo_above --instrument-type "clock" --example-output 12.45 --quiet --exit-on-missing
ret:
3.34
